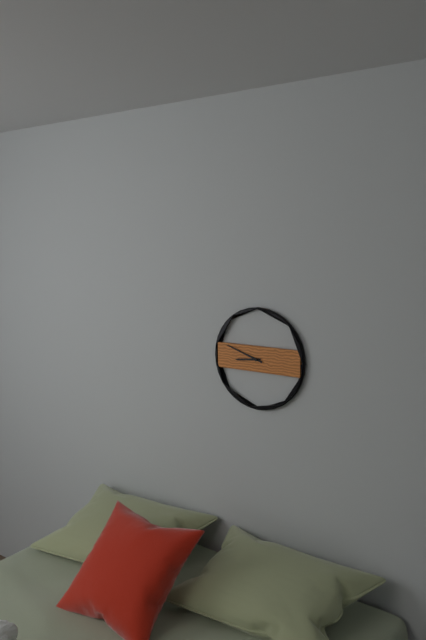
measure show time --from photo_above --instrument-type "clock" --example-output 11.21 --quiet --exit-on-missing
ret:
8.48
